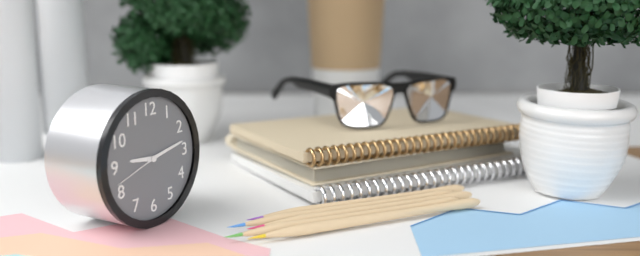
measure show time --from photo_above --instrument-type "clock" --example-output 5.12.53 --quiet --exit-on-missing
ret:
9.13.42
